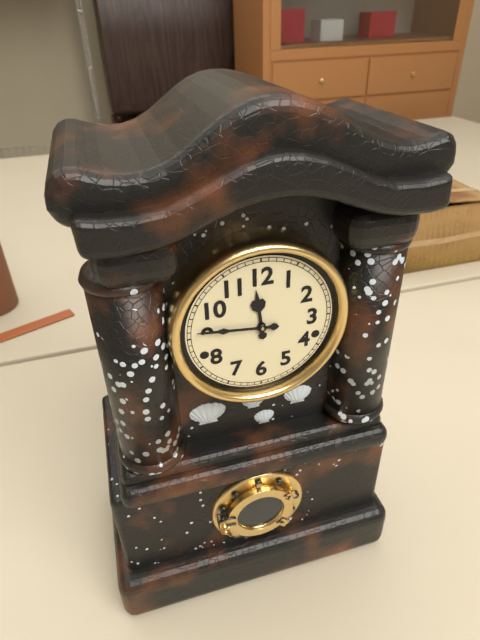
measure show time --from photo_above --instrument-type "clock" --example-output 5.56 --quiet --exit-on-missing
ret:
11.46
